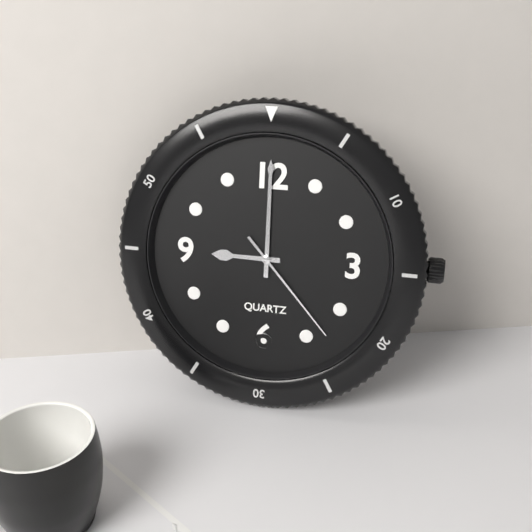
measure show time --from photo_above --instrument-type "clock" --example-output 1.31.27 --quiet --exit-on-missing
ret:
9.00.23
